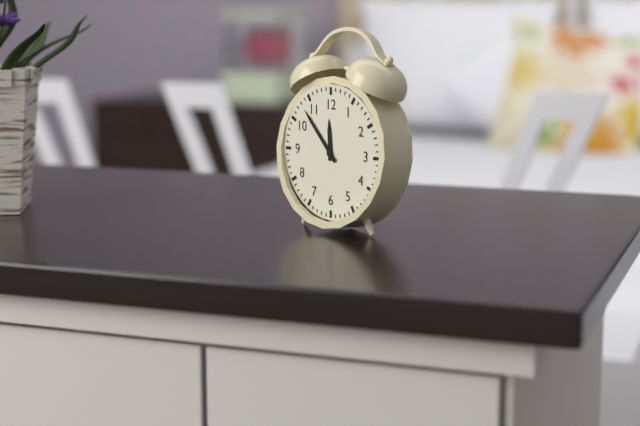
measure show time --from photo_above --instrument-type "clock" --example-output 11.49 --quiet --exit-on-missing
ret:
11.53
